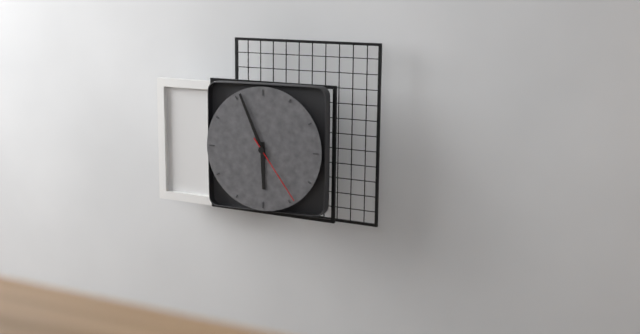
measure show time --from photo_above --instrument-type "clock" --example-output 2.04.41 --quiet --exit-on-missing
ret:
5.56.24
